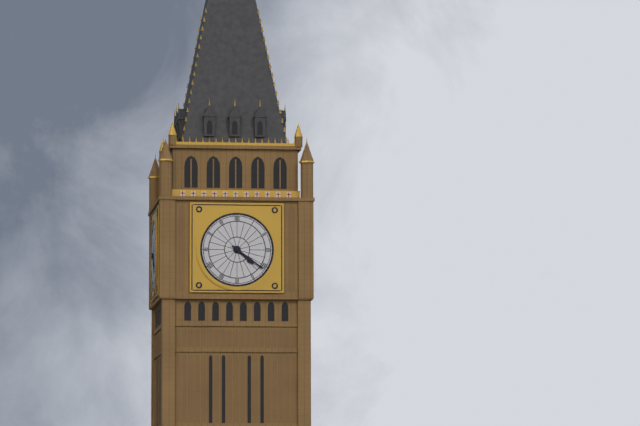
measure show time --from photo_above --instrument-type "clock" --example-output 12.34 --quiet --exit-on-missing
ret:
4.21
